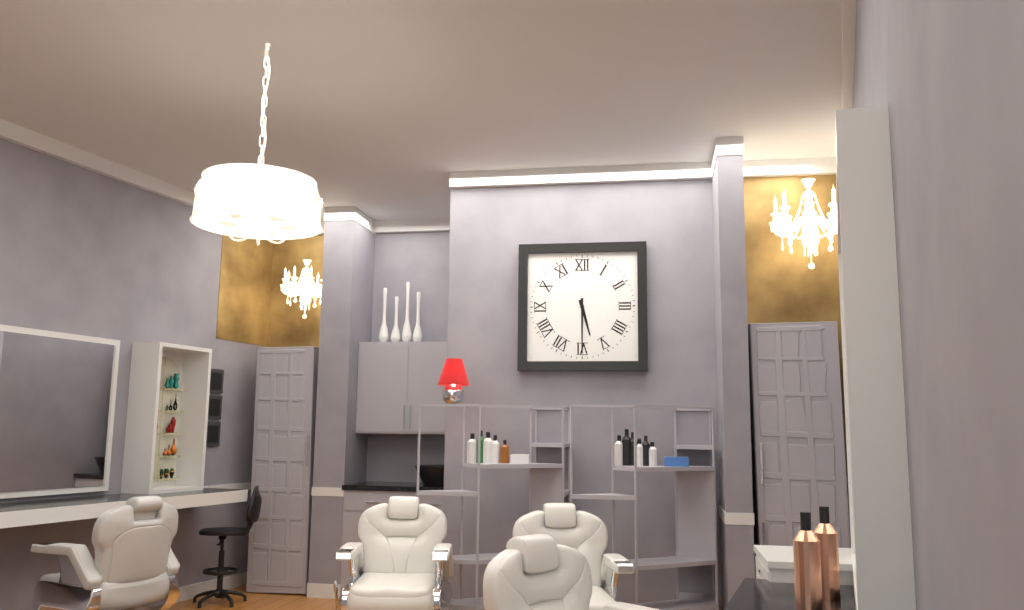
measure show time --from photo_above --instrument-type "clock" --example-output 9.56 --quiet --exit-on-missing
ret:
5.30
